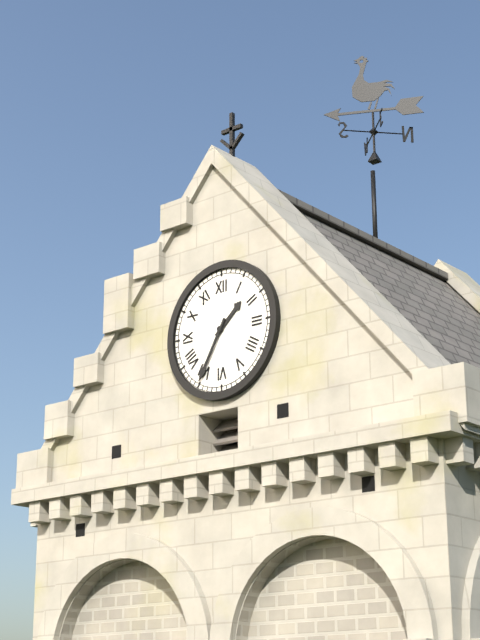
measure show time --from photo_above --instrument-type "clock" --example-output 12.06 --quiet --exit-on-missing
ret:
1.35
